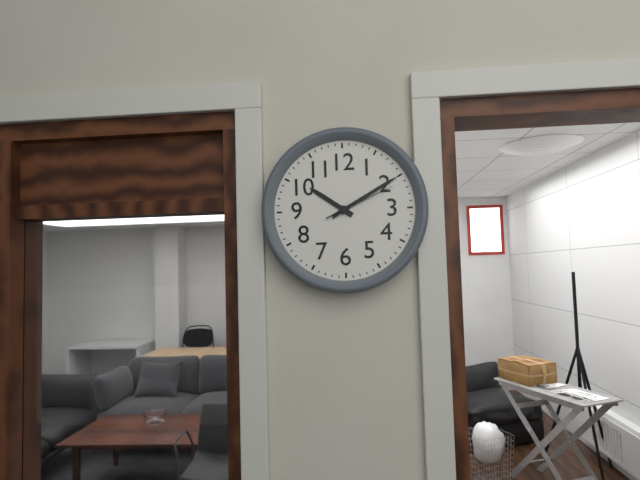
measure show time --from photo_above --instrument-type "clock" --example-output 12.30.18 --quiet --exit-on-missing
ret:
10.10.11
